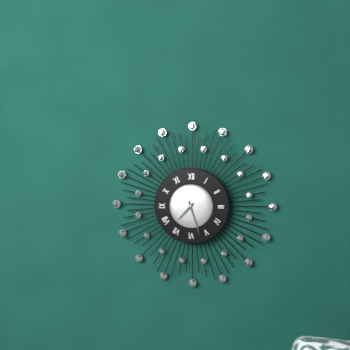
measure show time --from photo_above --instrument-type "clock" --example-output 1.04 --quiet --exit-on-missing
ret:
7.27
